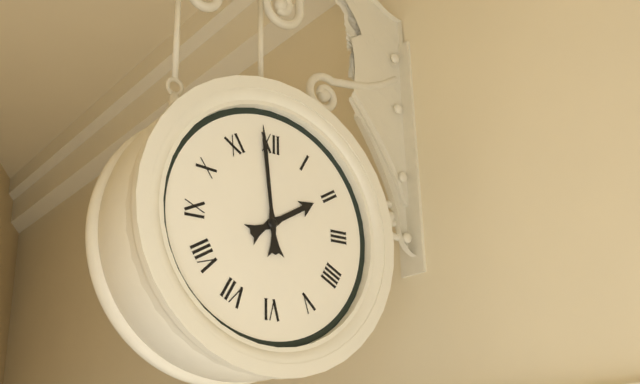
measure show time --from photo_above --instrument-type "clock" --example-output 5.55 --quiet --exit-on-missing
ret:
1.59
